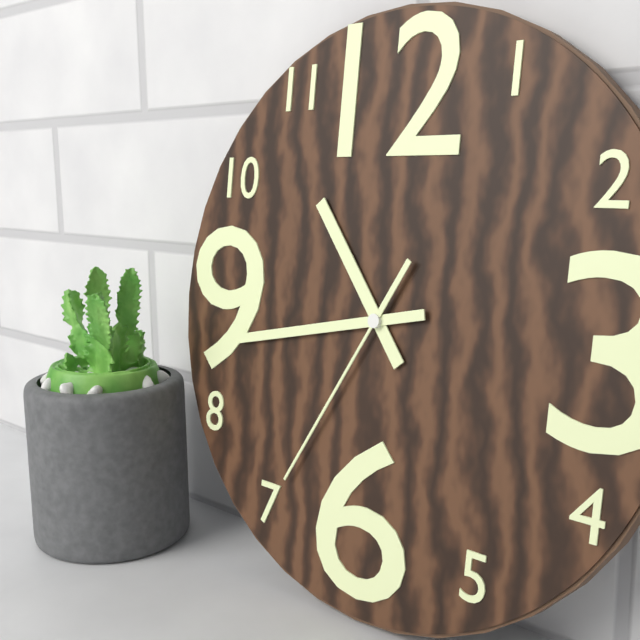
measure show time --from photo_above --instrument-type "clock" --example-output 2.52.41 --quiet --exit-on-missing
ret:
10.43.35
